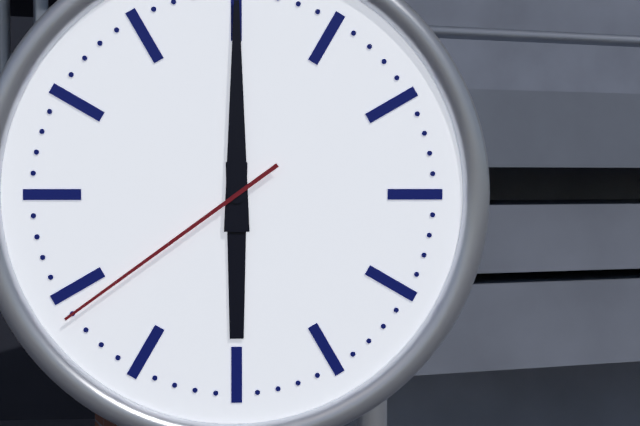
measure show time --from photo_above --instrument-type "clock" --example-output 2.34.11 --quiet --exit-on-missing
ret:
6.00.39
